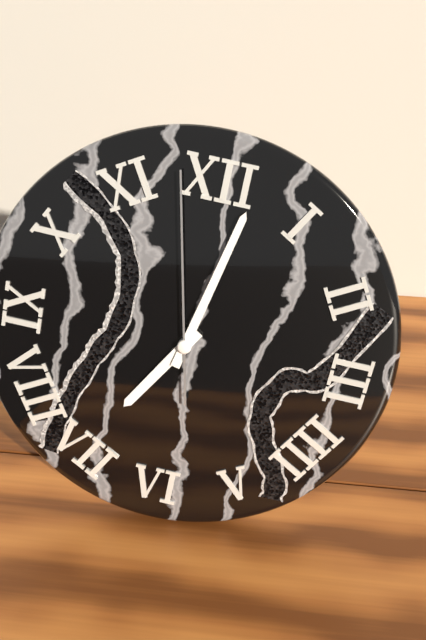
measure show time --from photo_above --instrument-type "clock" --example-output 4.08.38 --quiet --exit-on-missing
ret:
7.02.58
